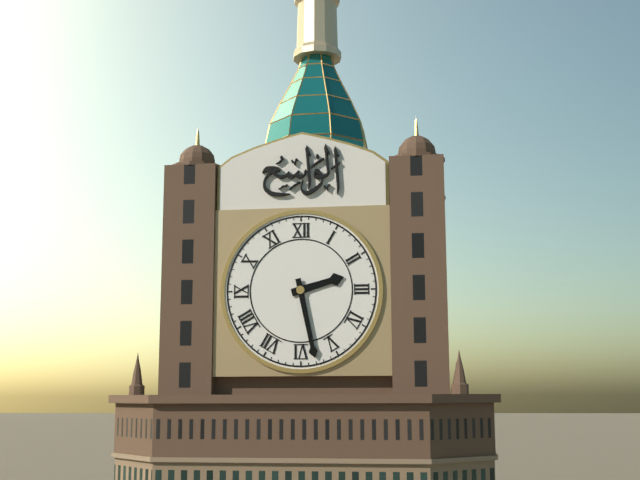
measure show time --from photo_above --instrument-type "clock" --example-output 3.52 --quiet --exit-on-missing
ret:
2.28
